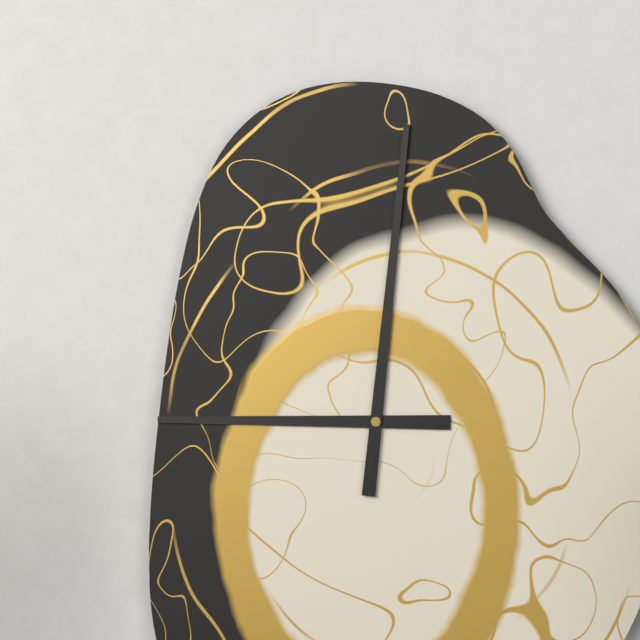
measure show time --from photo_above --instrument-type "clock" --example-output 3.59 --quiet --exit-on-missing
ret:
9.01
